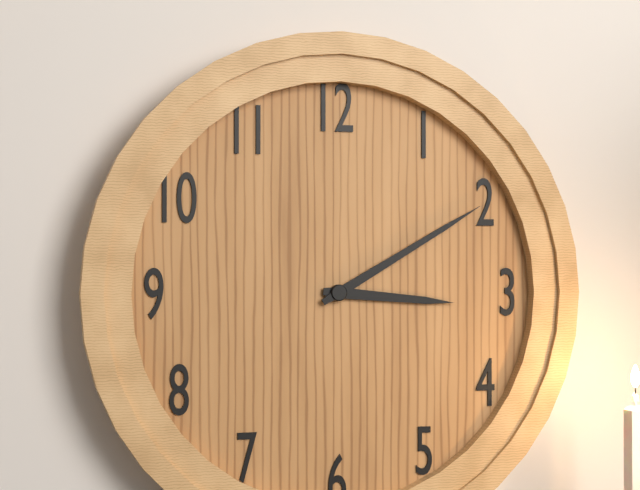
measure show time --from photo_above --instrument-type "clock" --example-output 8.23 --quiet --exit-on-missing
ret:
3.10
